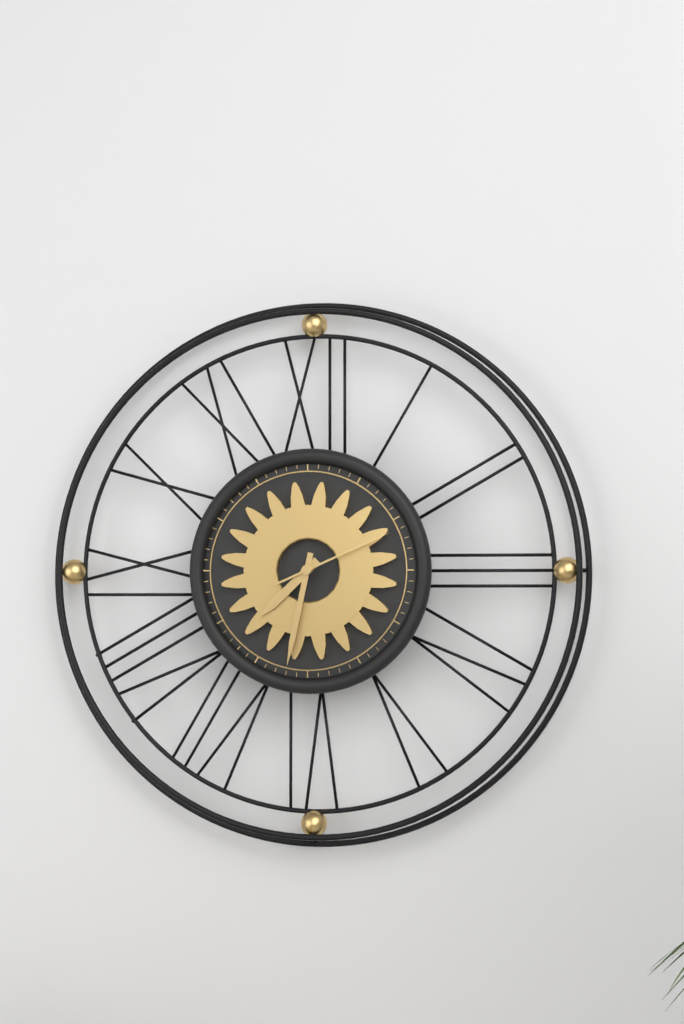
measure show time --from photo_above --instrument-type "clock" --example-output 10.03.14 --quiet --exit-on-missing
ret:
7.32.11
